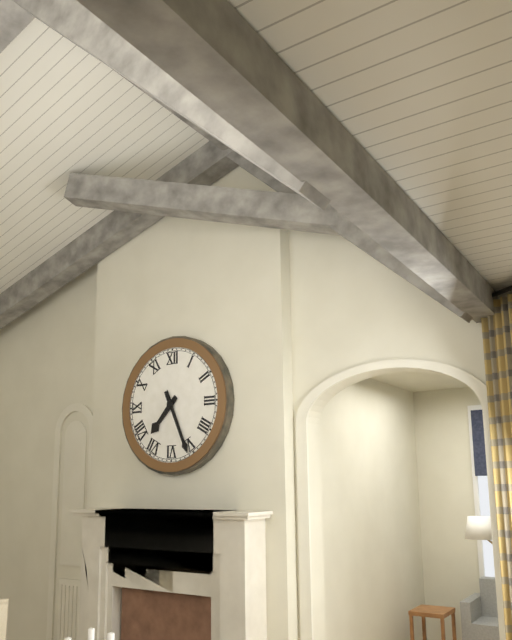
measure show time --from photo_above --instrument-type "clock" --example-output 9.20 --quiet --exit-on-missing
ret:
7.26
